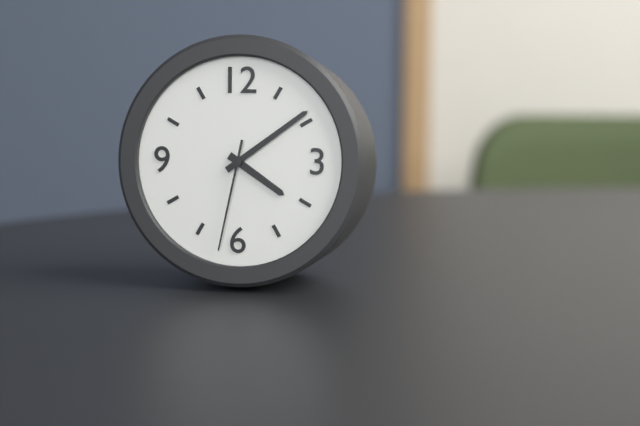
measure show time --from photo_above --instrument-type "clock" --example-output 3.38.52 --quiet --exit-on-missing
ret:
4.09.32
